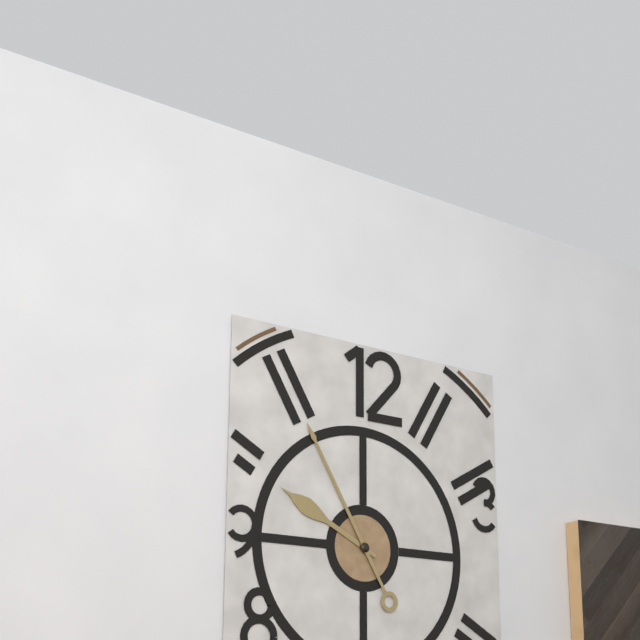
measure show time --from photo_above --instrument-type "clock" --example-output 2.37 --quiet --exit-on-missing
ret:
9.55
